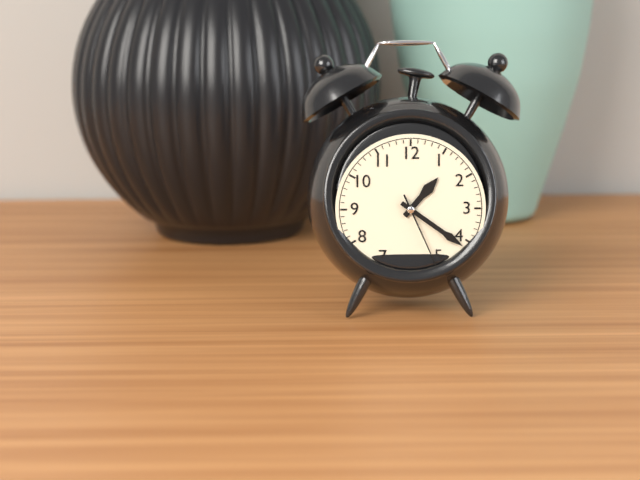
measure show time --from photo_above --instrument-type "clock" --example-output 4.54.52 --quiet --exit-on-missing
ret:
1.21.26
